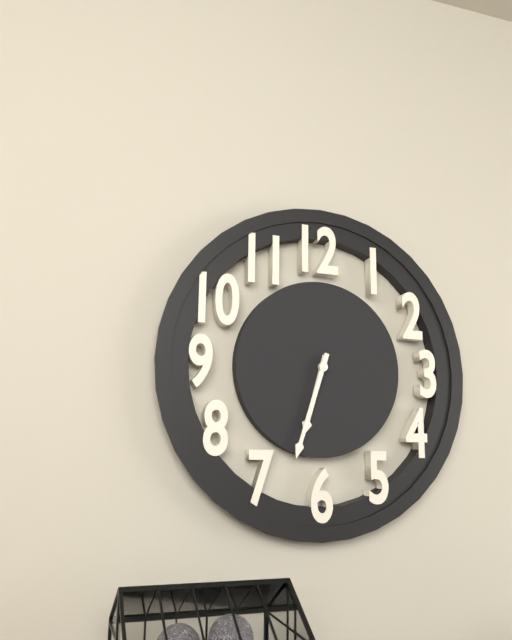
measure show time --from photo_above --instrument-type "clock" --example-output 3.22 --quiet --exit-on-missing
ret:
6.33
